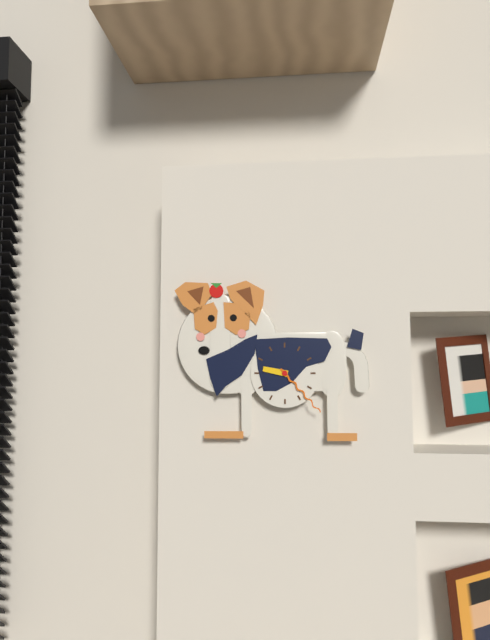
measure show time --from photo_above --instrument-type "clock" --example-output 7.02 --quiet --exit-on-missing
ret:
9.23
